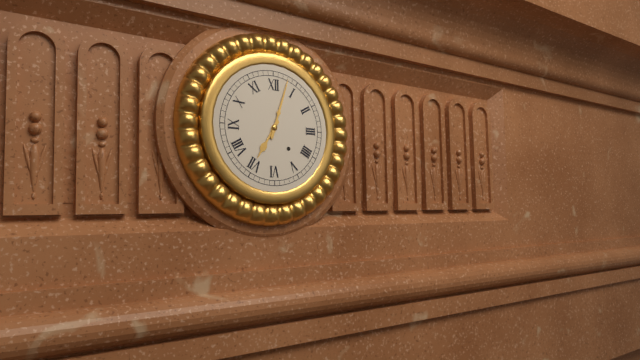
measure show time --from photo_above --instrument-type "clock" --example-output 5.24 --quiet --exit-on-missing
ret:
7.03
